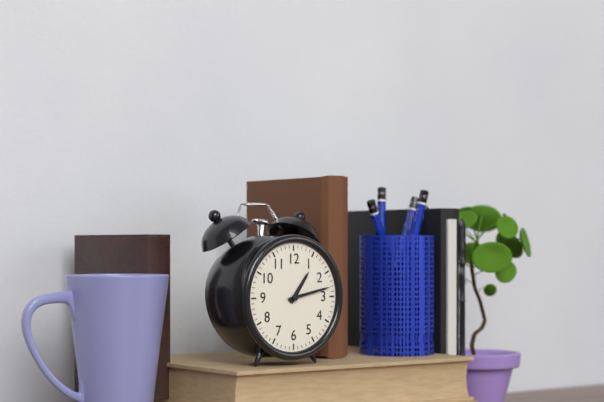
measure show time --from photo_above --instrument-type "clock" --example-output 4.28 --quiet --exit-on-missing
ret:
1.13
